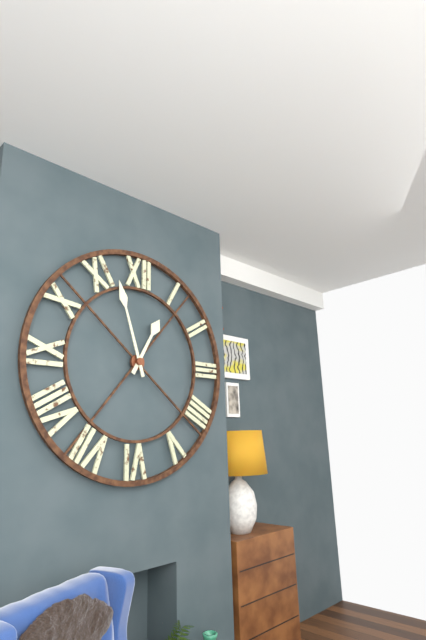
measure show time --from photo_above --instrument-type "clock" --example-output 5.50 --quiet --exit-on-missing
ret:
12.57
